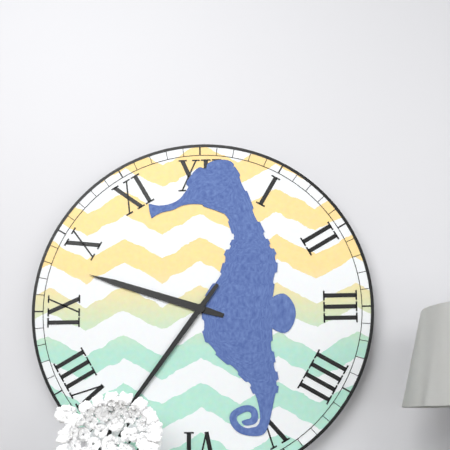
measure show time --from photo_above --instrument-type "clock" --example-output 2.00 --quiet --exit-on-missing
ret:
9.36
